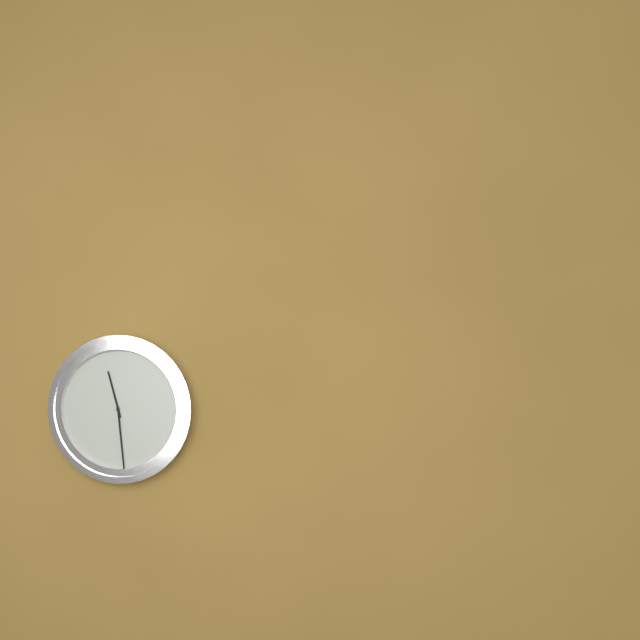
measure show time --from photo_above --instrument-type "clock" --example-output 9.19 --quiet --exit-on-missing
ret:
11.29
